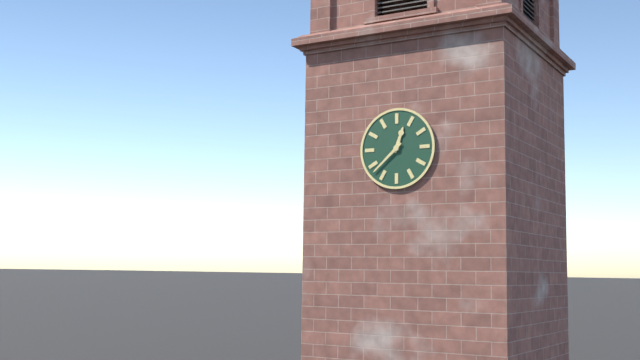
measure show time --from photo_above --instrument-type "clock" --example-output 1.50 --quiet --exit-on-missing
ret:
12.38
